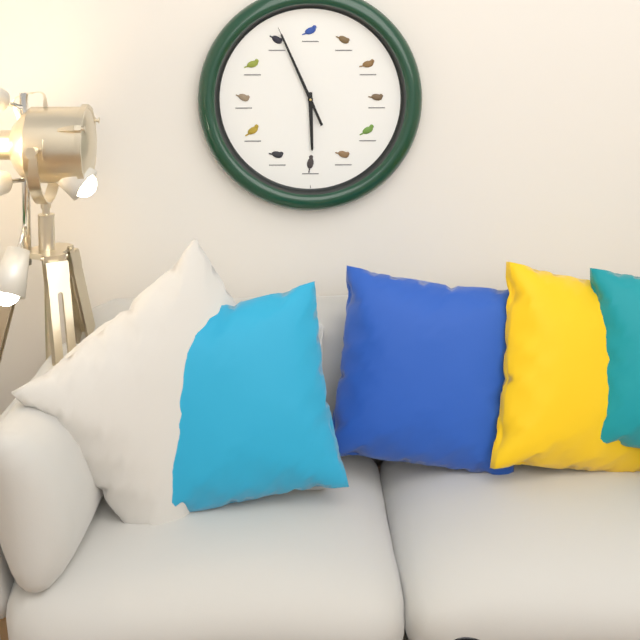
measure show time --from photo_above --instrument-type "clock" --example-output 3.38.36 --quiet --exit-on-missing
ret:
5.56.56
